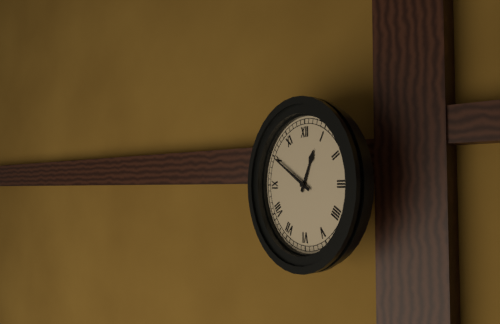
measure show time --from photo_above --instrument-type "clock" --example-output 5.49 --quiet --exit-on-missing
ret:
12.50
